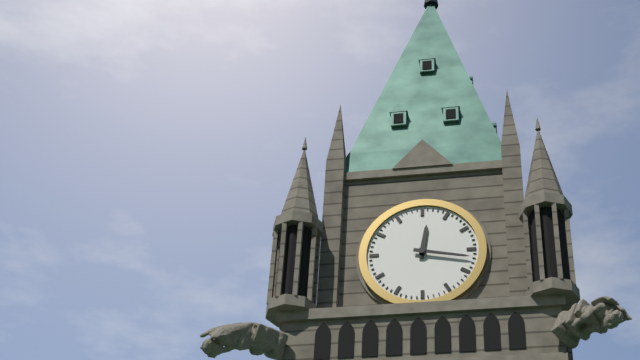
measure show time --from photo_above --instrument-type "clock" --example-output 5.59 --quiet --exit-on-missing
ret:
12.17
